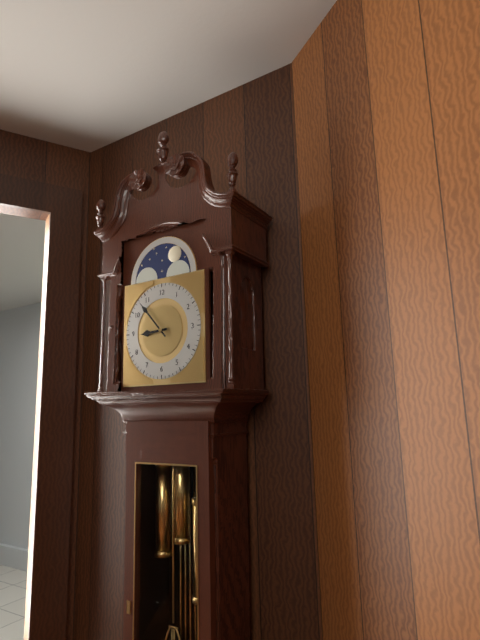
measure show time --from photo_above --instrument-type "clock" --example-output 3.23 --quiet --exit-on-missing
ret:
8.53
